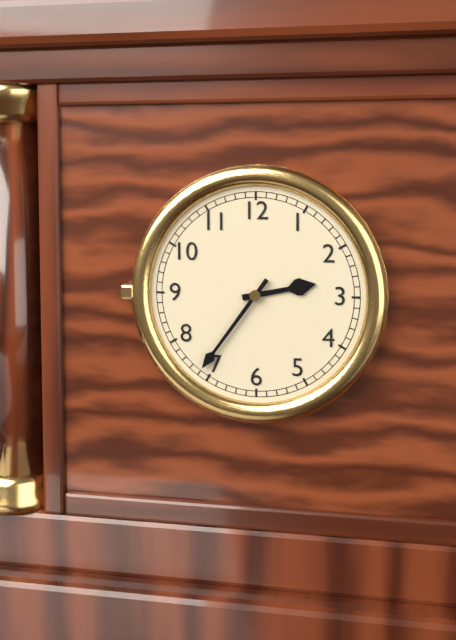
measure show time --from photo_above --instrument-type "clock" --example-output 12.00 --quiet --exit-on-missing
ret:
2.36
